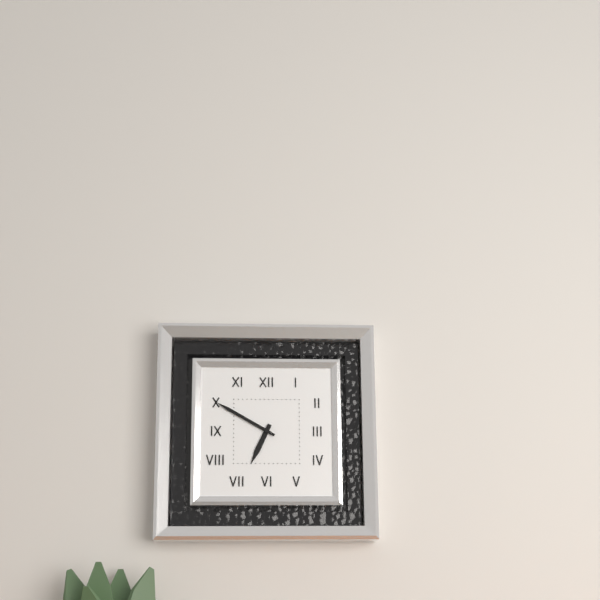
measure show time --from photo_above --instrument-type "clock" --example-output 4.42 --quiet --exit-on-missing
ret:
6.50
